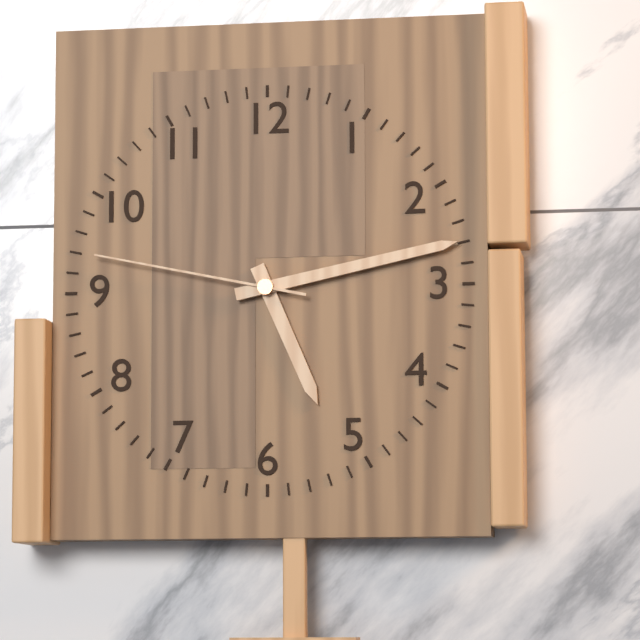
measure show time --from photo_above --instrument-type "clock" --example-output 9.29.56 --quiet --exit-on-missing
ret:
5.13.47
